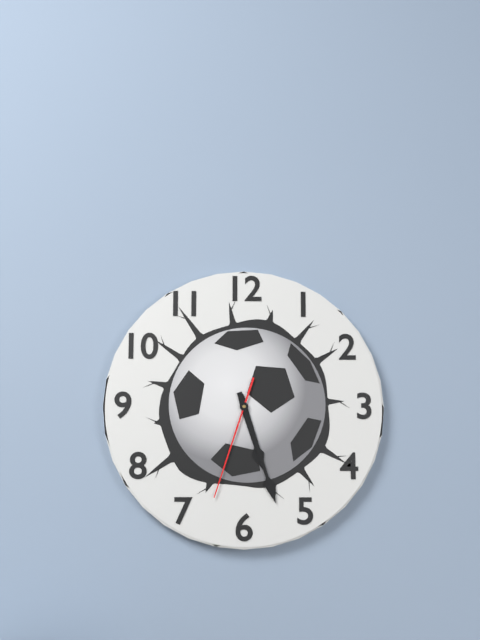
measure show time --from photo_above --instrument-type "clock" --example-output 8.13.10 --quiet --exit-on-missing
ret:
5.27.33
